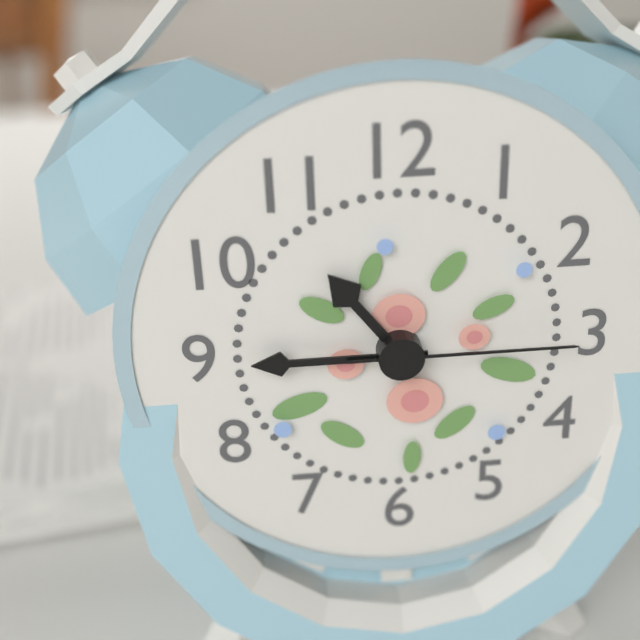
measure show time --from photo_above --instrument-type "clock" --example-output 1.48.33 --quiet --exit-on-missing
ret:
10.45.15
